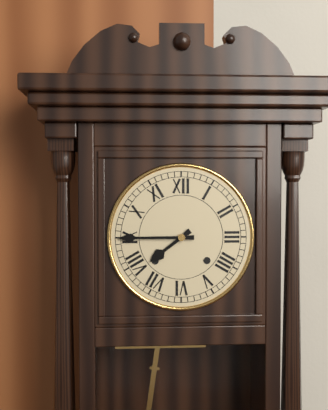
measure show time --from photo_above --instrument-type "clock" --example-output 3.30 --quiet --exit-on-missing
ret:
7.45
